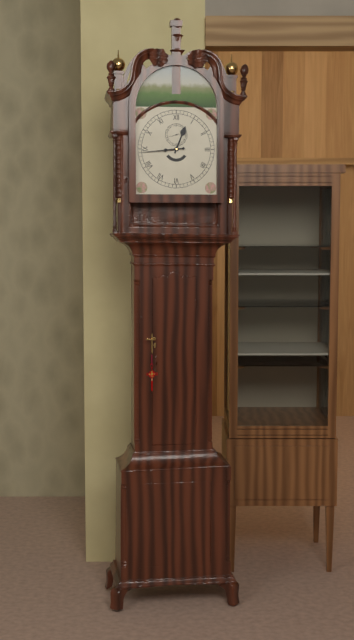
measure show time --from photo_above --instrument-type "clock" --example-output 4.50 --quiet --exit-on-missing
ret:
12.44
